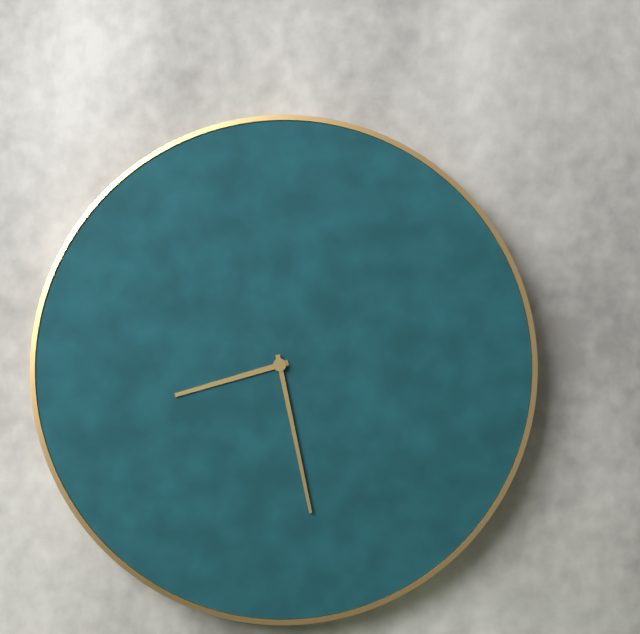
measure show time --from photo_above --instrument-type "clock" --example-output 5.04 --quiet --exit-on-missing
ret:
8.28
